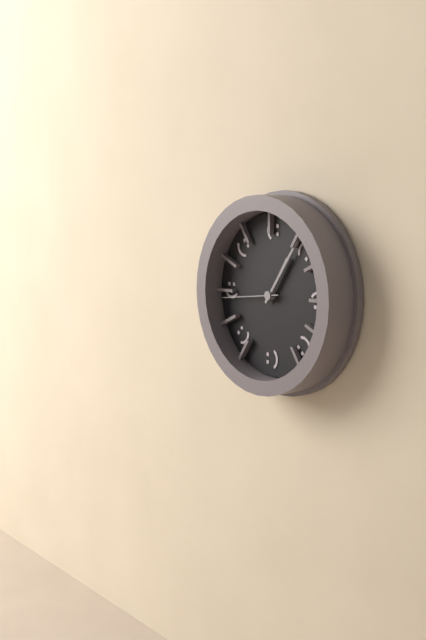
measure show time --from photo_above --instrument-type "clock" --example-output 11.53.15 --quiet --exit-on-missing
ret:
1.06.44
